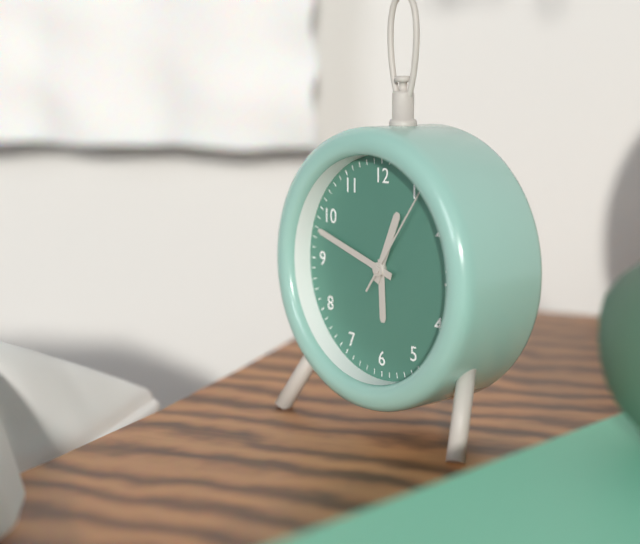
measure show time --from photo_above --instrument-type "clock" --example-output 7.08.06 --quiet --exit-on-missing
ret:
12.48.06
